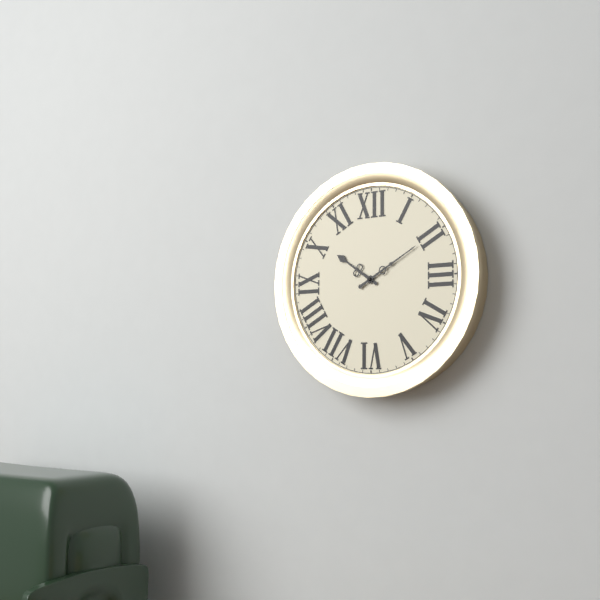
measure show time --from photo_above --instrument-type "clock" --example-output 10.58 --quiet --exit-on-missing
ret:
10.10
